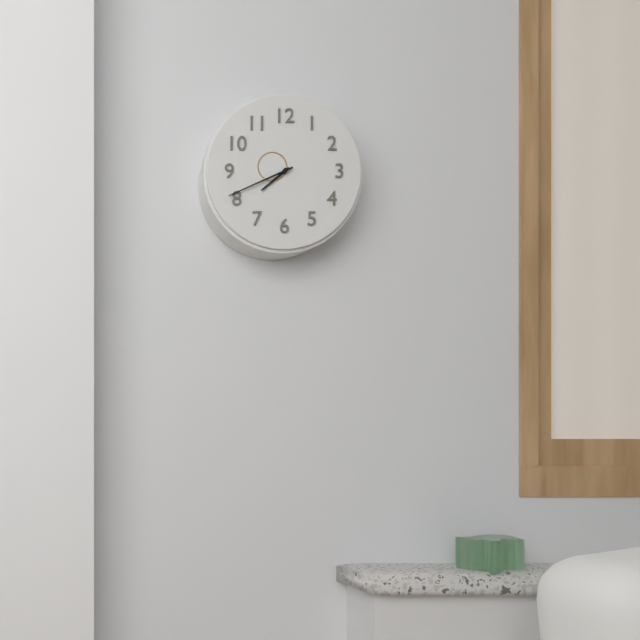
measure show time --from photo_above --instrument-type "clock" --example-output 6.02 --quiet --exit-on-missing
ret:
7.41
